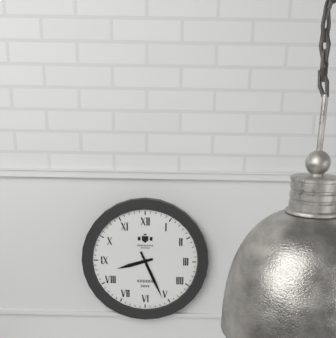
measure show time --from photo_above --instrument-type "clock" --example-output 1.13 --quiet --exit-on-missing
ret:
8.26
